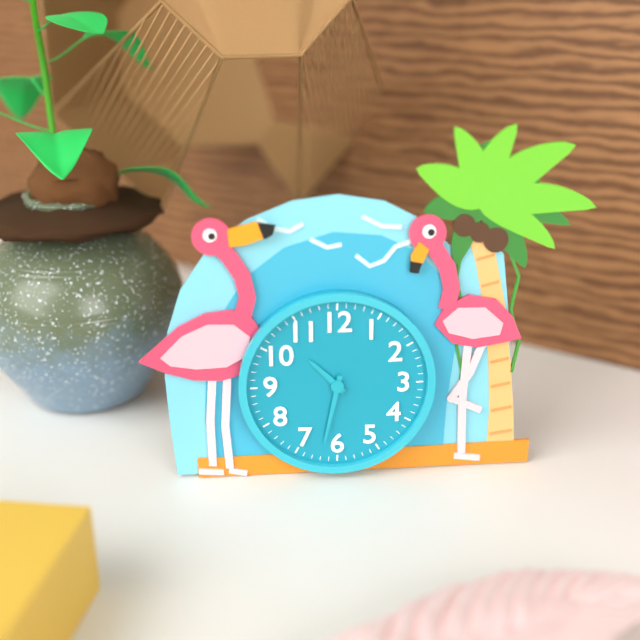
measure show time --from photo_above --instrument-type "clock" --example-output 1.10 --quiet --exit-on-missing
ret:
10.32
